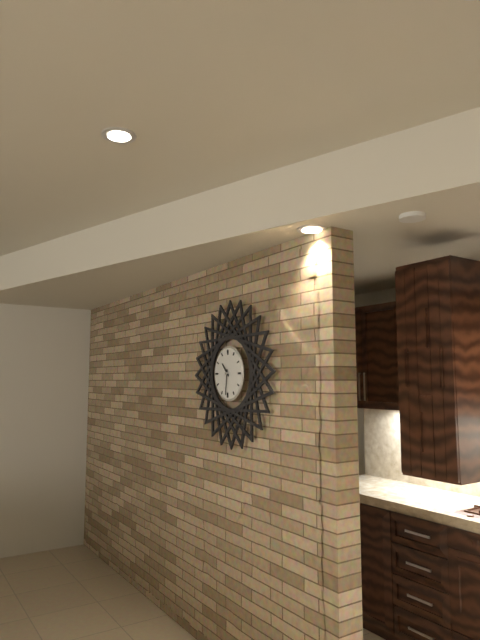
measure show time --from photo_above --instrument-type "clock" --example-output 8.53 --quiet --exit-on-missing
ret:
10.31
